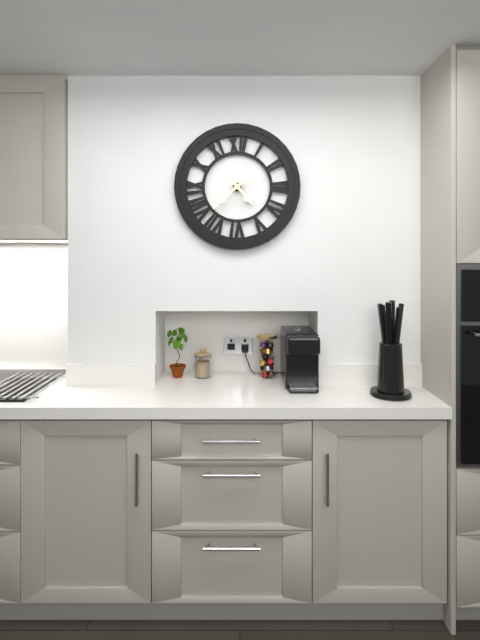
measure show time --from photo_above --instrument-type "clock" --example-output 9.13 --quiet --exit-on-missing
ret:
4.38
